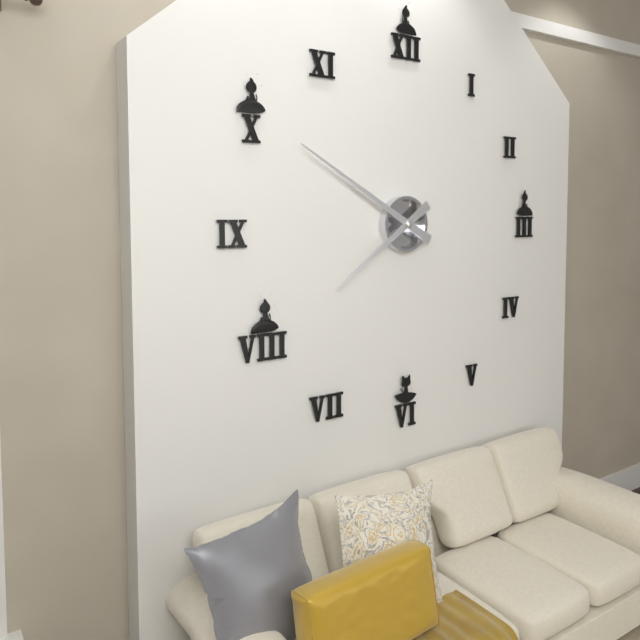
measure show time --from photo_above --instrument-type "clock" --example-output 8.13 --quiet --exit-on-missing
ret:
7.50
